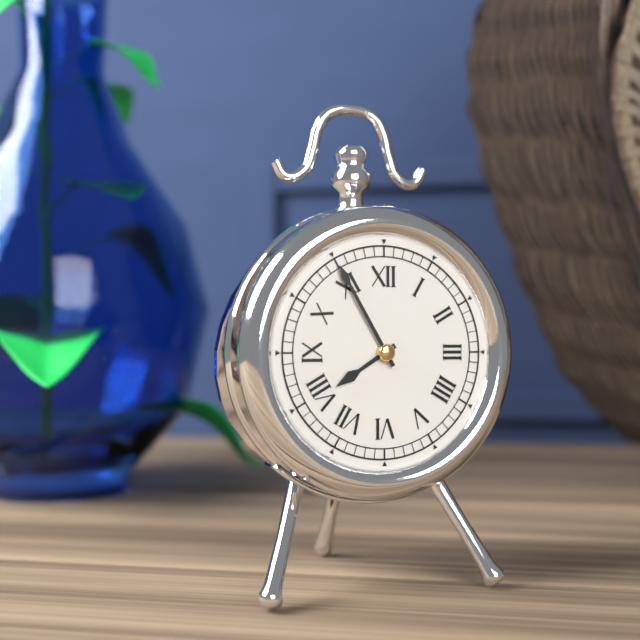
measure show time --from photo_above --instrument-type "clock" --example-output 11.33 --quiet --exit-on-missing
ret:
7.55
